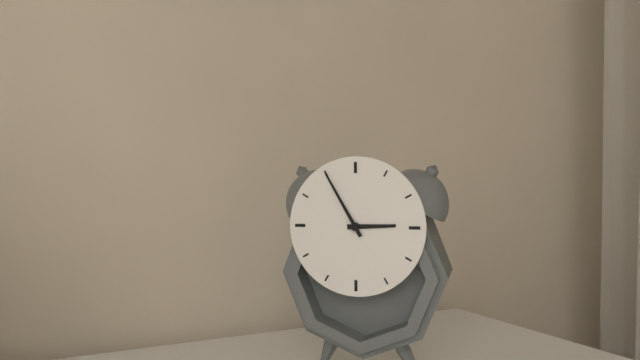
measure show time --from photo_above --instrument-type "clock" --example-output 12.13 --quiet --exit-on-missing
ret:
2.55
